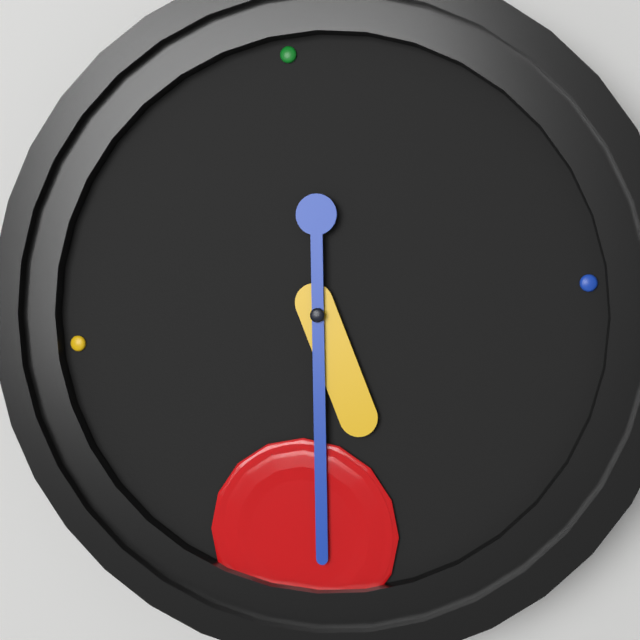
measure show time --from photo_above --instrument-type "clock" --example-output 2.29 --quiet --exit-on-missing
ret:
5.31
